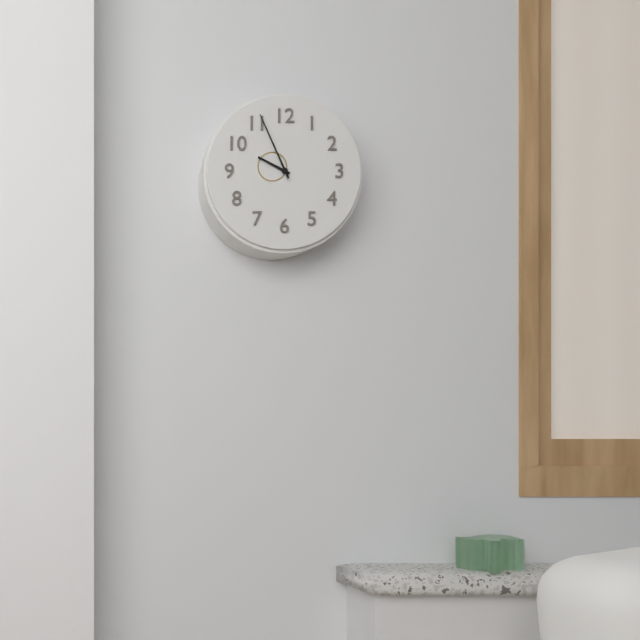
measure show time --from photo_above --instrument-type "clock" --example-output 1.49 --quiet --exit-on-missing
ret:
9.56
